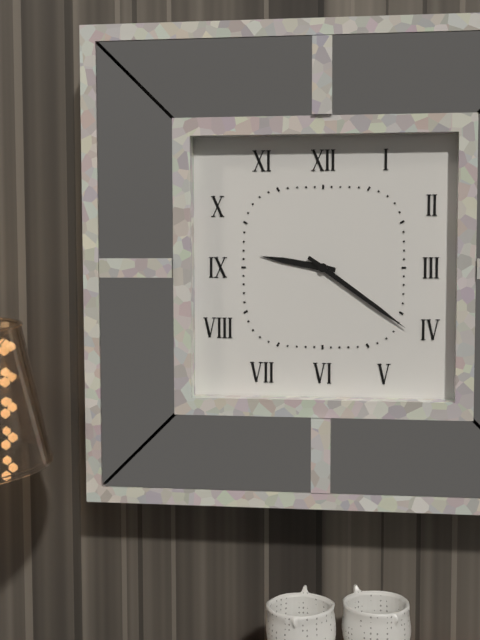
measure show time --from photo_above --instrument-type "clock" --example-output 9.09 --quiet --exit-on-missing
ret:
9.21
